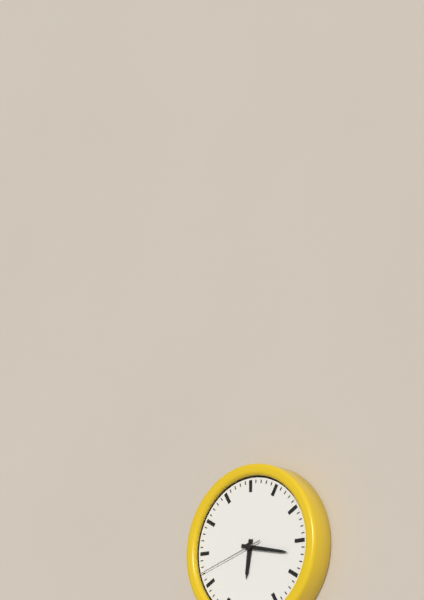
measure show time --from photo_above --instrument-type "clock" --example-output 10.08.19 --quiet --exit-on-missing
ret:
6.17.42
